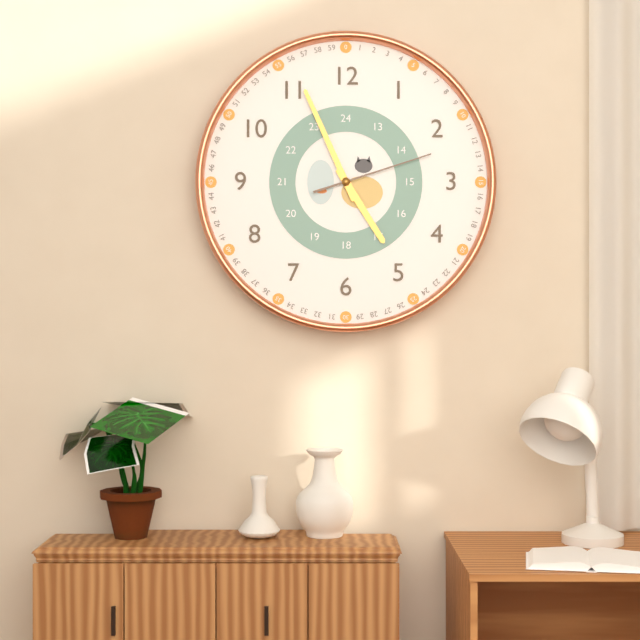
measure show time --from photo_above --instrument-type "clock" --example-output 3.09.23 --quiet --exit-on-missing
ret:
4.56.12
